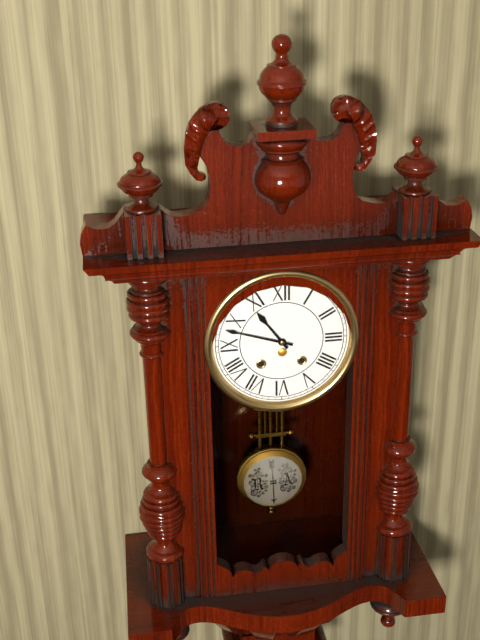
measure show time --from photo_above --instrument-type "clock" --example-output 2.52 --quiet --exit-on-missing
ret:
10.48
